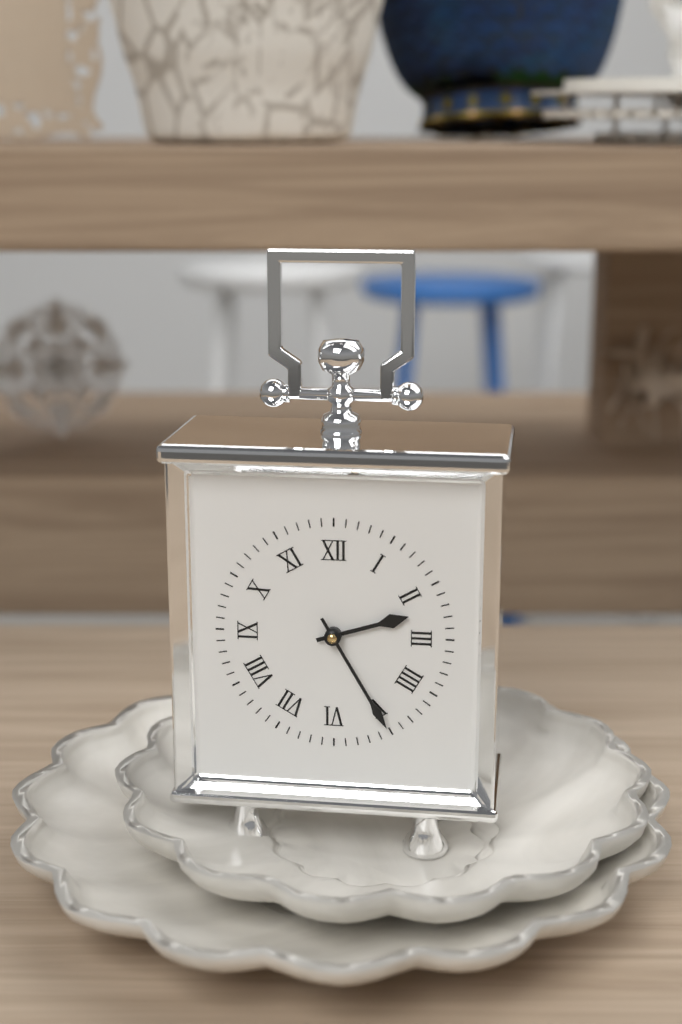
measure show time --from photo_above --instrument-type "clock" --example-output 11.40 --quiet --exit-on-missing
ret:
2.25
